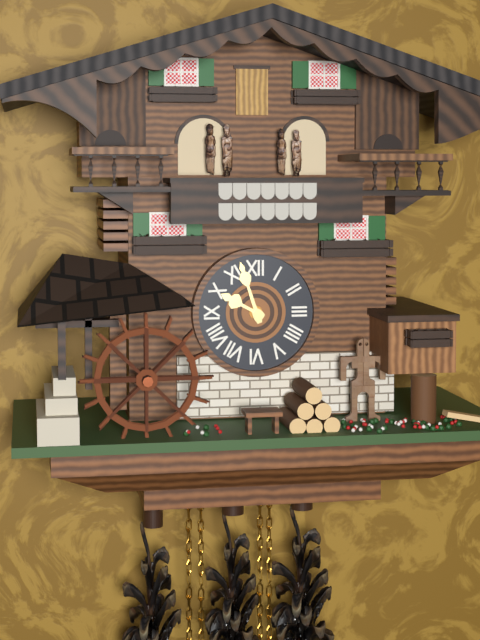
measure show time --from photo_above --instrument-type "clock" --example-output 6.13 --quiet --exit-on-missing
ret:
9.57
